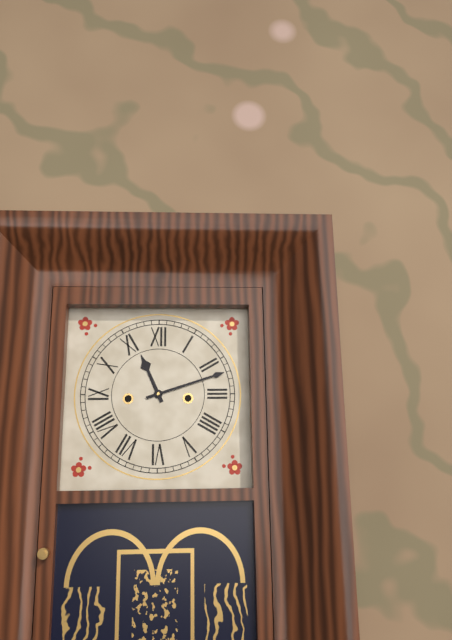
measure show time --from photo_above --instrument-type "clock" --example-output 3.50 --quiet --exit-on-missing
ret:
11.12
